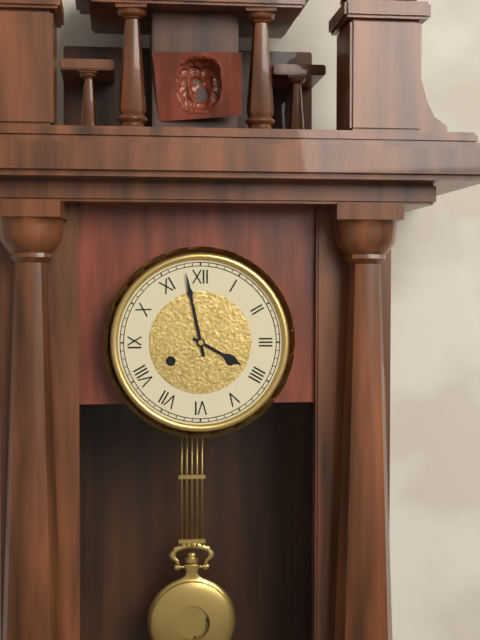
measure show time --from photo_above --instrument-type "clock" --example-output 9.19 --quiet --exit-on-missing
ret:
3.58
